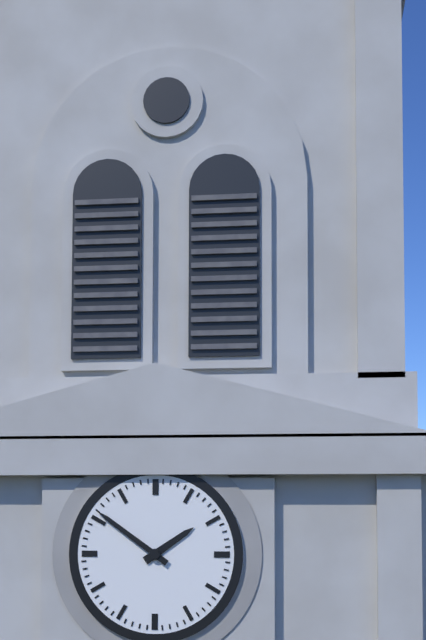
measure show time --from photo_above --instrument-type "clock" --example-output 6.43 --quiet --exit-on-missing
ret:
1.51
